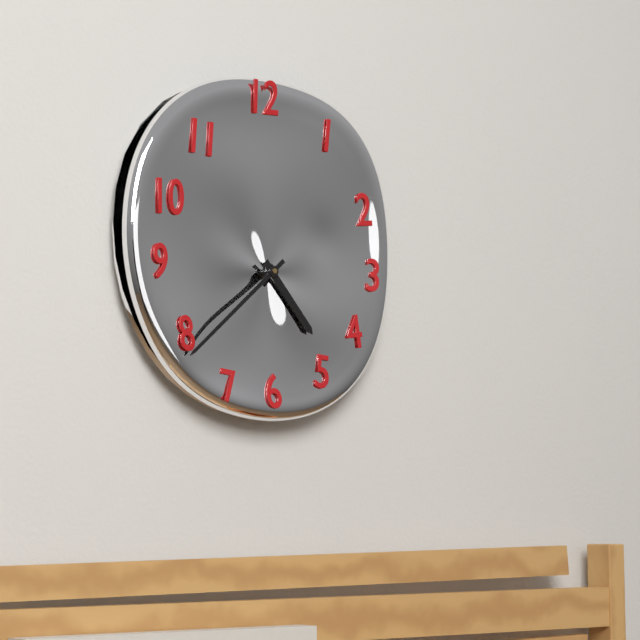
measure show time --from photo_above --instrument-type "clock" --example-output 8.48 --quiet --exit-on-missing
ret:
4.38
